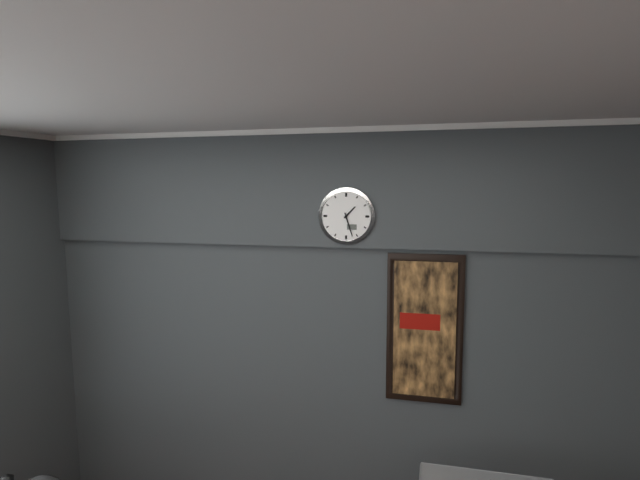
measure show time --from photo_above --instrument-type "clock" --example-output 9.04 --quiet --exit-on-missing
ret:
1.27
